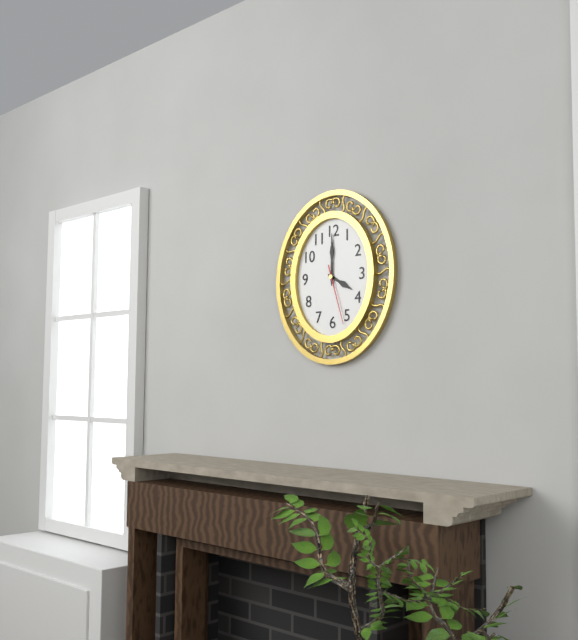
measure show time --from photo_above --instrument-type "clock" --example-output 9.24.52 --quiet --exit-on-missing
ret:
4.00.27
